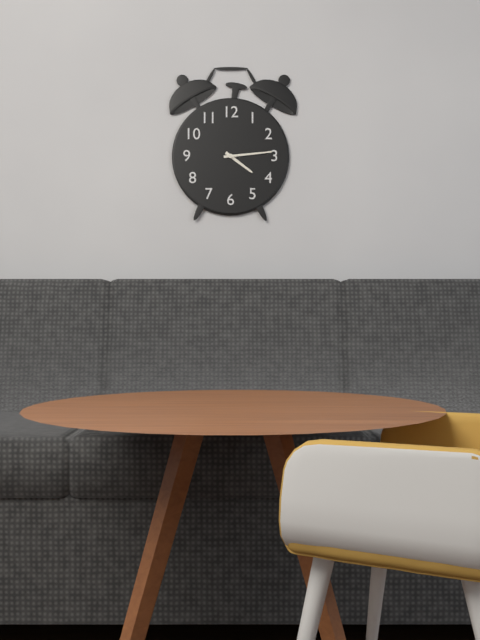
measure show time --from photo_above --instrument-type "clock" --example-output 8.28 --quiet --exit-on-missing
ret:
4.14
